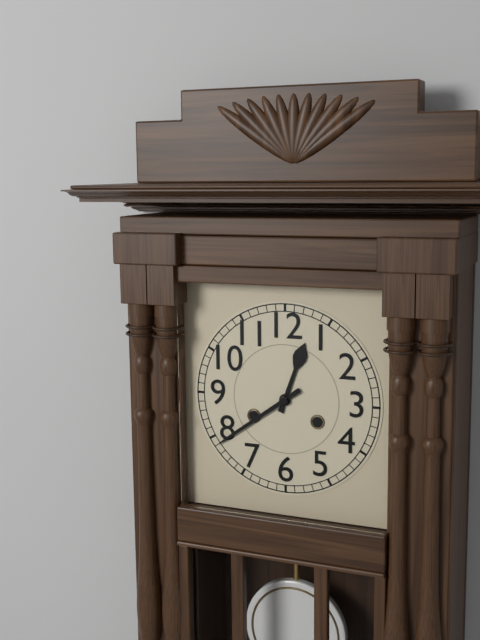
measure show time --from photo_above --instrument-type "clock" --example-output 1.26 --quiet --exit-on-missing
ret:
12.39
